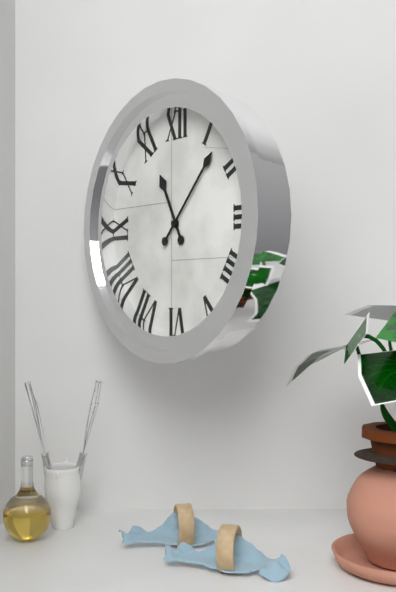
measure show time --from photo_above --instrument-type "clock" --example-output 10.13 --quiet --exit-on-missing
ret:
11.07
